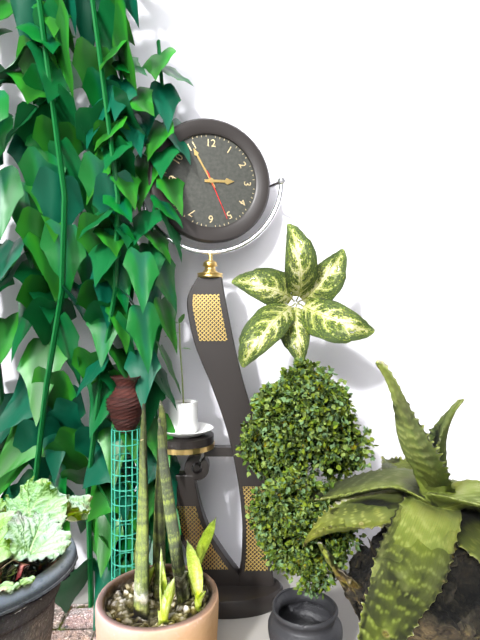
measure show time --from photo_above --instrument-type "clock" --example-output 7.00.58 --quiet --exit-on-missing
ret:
2.55.26
